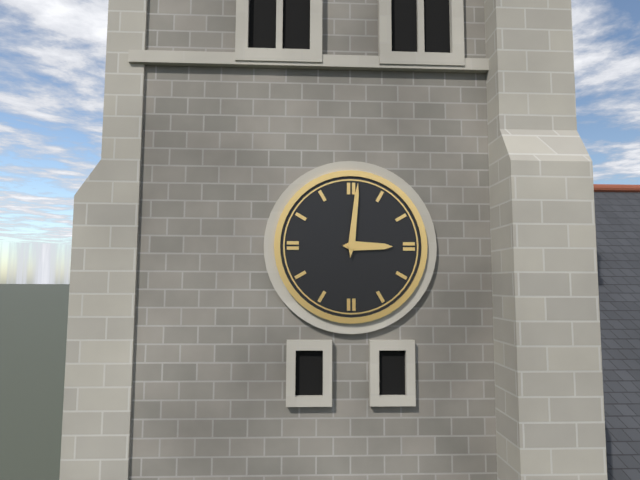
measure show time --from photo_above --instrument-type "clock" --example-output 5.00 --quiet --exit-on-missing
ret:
3.01
